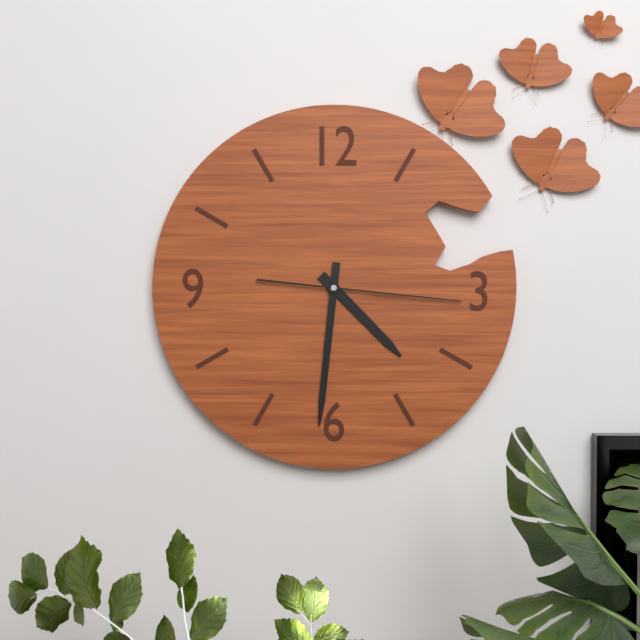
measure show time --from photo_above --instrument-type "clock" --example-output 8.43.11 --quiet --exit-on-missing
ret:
4.31.16
